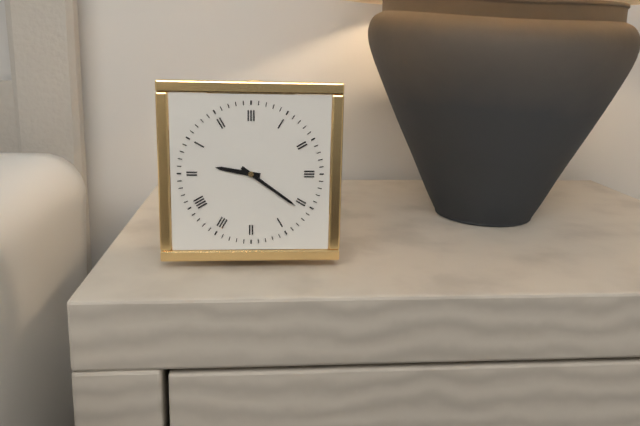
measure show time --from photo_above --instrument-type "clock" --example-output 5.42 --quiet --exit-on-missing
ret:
9.21
